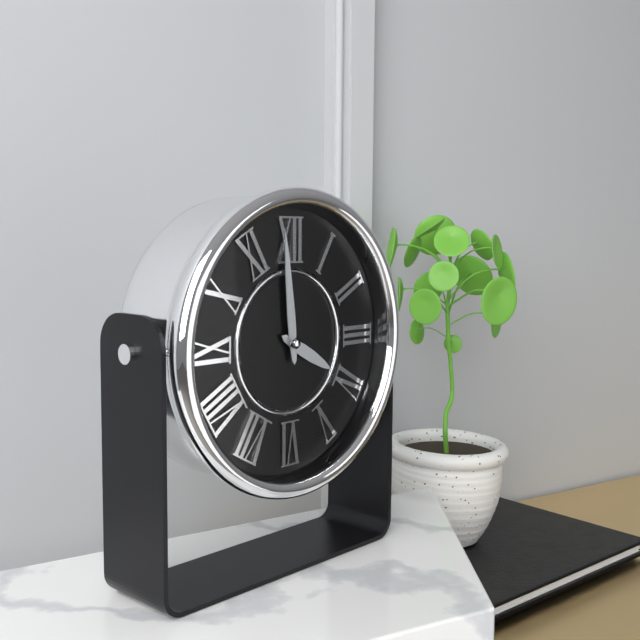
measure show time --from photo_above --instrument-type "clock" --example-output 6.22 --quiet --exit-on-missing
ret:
3.59
